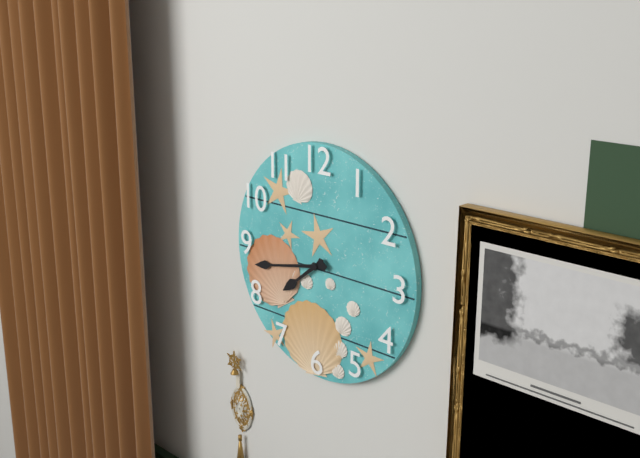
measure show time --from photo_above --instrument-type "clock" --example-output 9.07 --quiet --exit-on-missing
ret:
7.43
